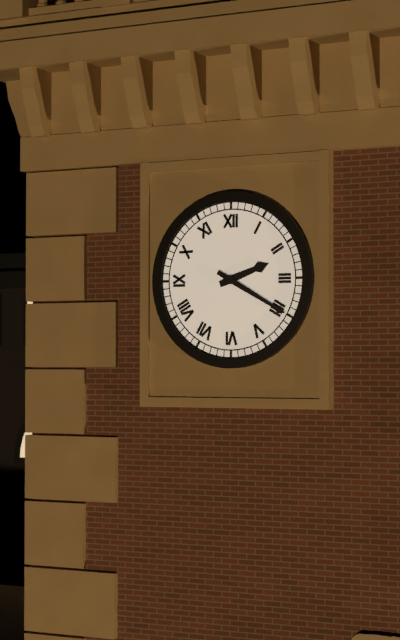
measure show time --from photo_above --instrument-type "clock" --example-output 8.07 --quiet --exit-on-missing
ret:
2.20
